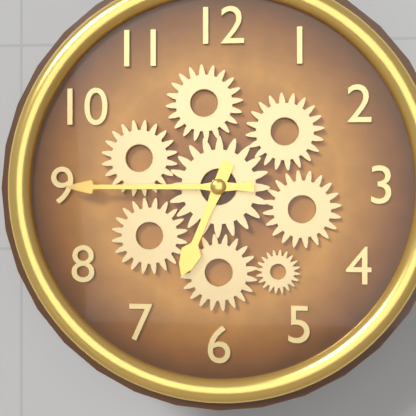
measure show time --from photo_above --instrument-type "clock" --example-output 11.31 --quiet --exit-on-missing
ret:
6.45
